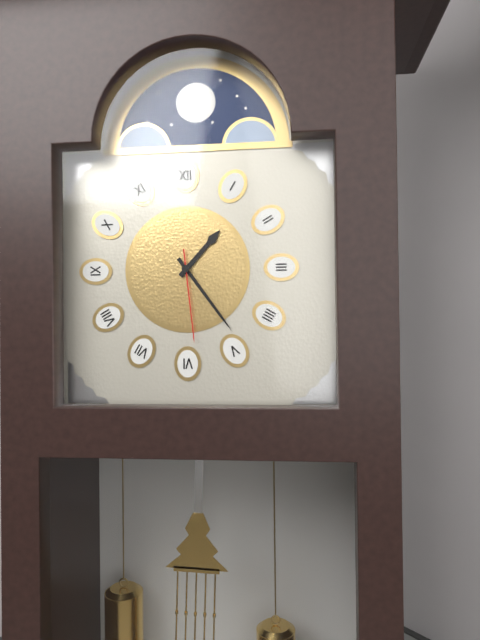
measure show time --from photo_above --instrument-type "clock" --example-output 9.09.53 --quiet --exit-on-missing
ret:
1.24.29
